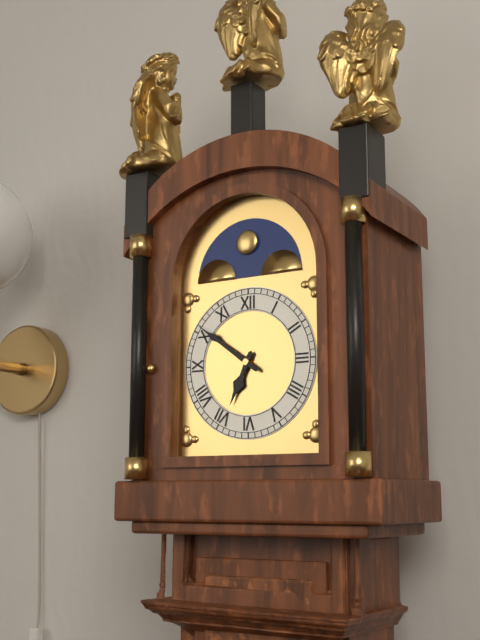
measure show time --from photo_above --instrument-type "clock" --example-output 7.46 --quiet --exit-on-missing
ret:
6.51
